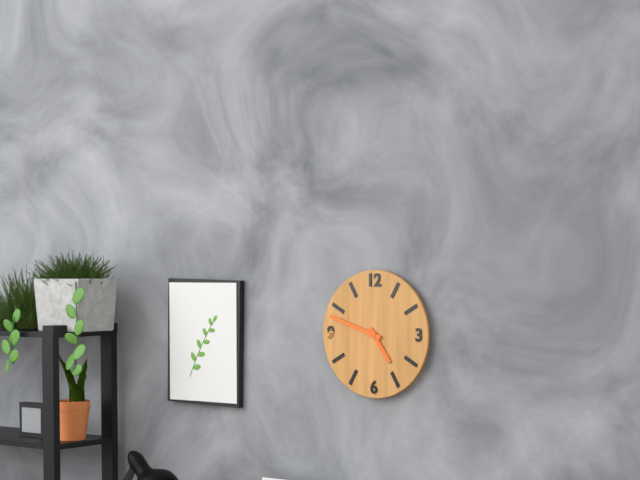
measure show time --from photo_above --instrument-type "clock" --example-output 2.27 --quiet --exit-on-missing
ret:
4.48
